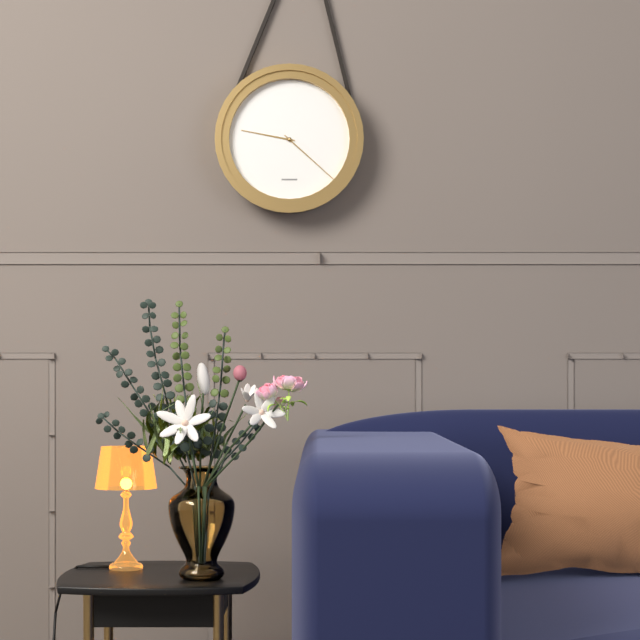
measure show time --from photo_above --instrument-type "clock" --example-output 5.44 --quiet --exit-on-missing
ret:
9.22
